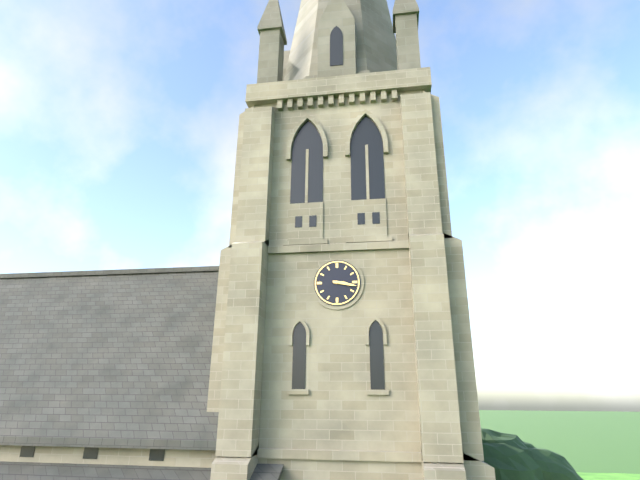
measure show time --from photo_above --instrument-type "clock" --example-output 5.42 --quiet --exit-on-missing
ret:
3.17
